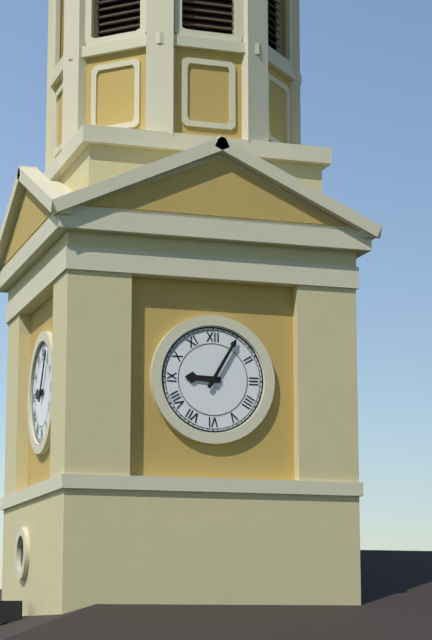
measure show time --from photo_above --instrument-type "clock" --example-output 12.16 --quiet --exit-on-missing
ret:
9.05
